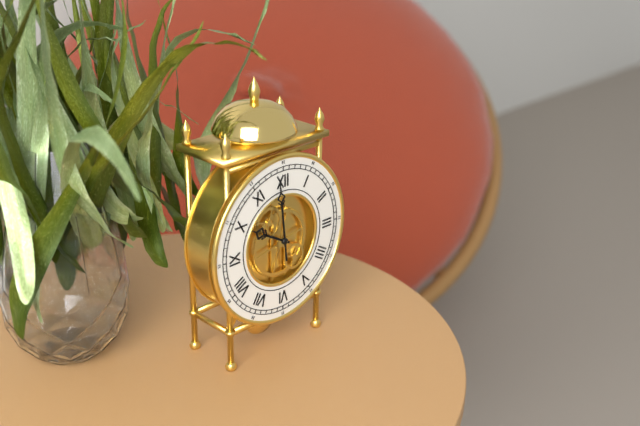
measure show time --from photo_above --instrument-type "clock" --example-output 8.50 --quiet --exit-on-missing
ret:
9.59
